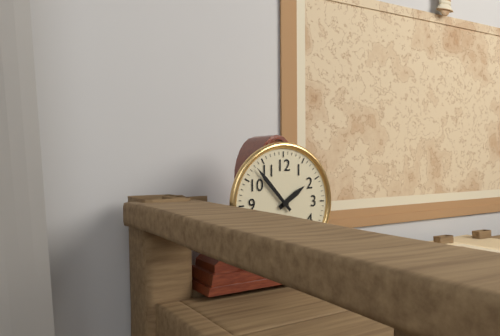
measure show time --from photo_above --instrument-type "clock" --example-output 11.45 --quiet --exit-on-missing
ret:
1.53
